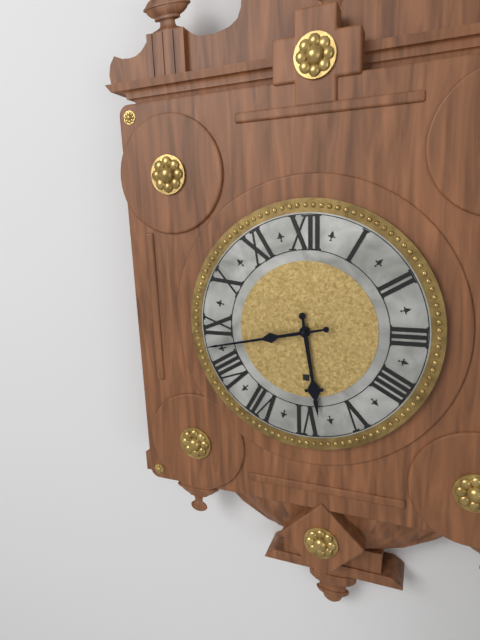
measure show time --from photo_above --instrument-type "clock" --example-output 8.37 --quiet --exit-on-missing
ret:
5.43
